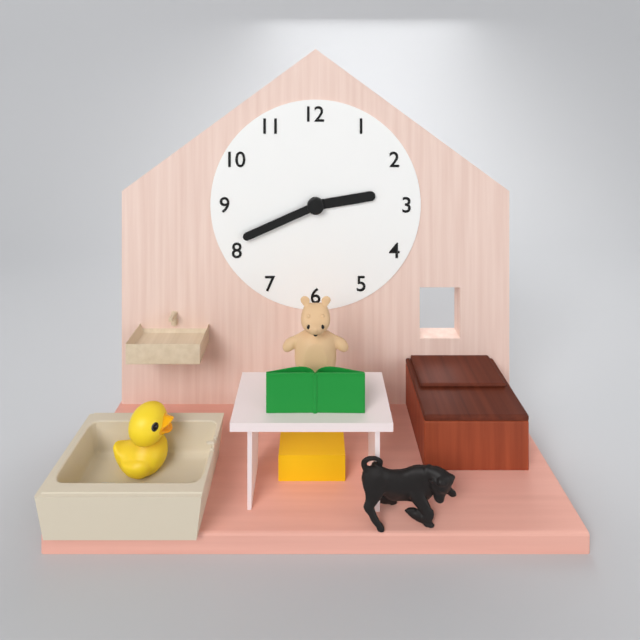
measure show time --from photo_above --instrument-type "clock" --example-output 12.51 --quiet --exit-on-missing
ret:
2.41
